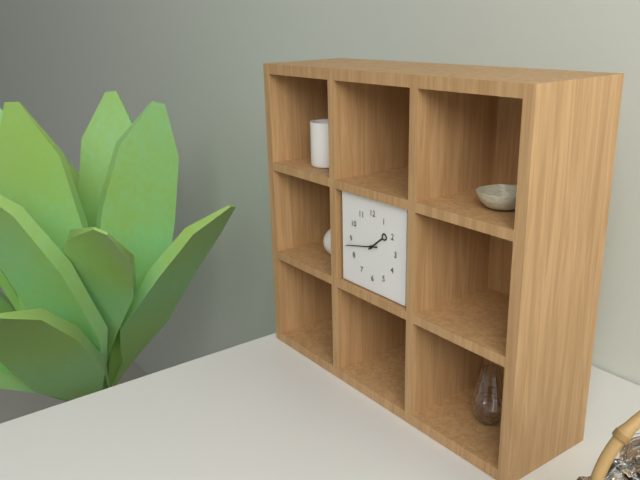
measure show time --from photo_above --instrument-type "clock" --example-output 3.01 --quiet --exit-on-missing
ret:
1.43
